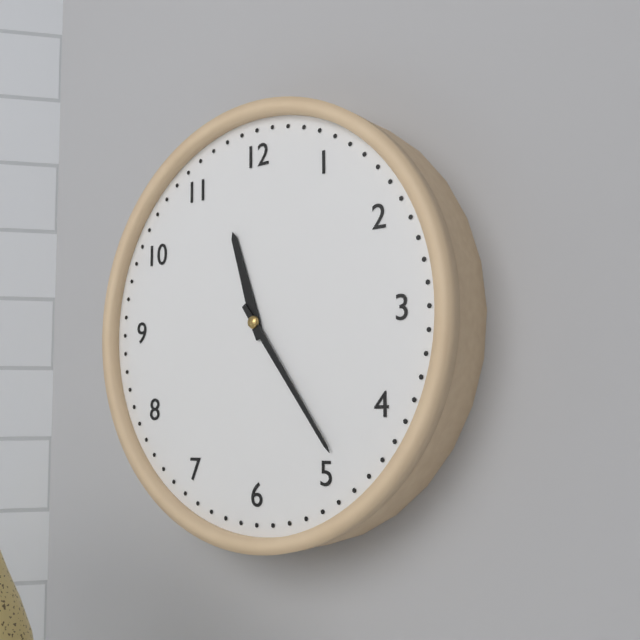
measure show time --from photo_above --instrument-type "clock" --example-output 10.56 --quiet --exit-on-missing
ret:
11.24
